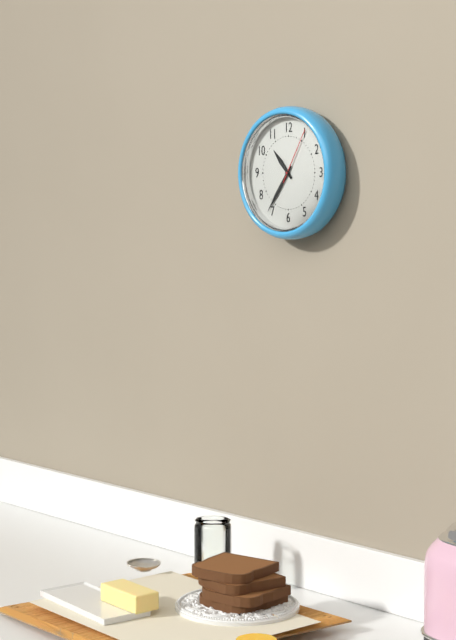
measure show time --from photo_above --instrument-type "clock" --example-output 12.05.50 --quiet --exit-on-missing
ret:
10.36.05
